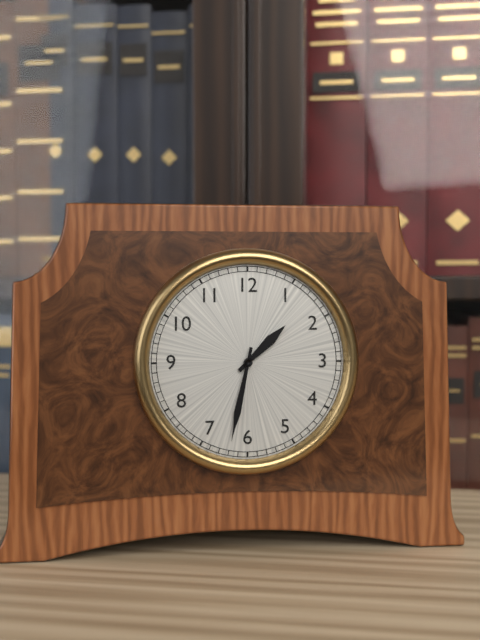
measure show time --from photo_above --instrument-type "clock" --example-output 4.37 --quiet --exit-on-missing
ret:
1.32
